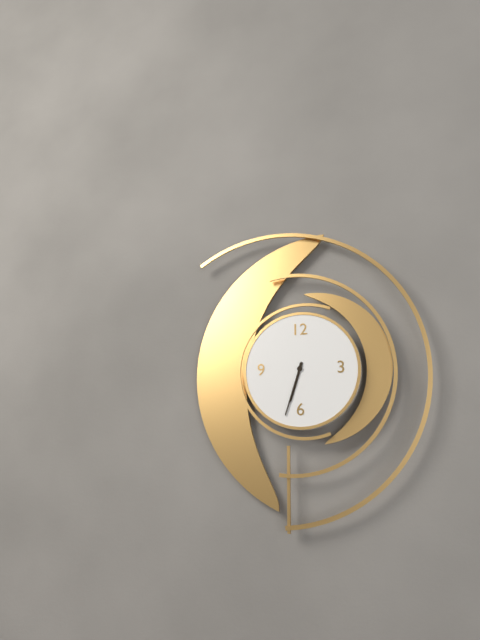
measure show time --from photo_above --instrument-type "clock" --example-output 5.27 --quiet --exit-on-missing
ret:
6.33
